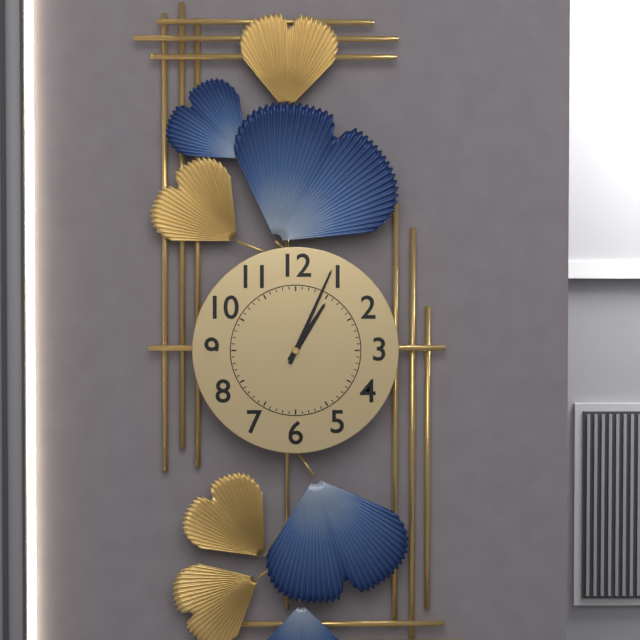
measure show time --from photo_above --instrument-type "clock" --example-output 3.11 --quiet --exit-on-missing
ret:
1.04
